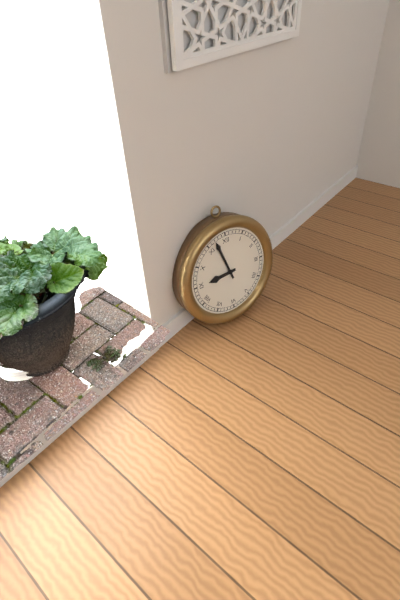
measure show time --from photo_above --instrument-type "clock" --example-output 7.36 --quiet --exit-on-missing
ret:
8.57
